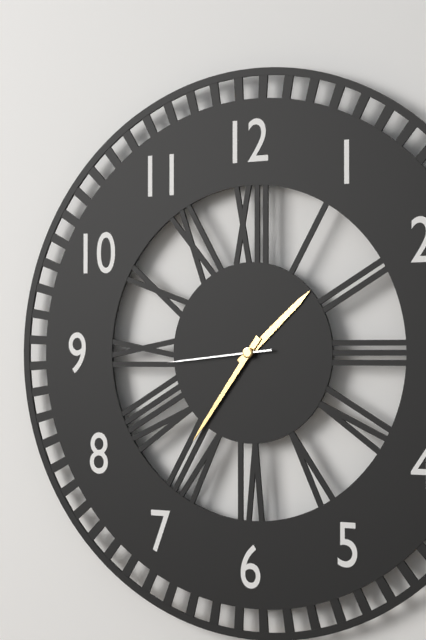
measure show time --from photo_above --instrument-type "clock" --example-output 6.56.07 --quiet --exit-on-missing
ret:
1.36.44
